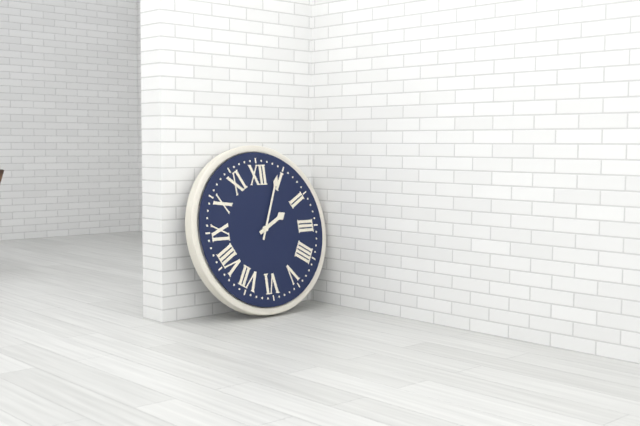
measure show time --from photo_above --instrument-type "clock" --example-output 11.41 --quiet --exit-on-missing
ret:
2.04
